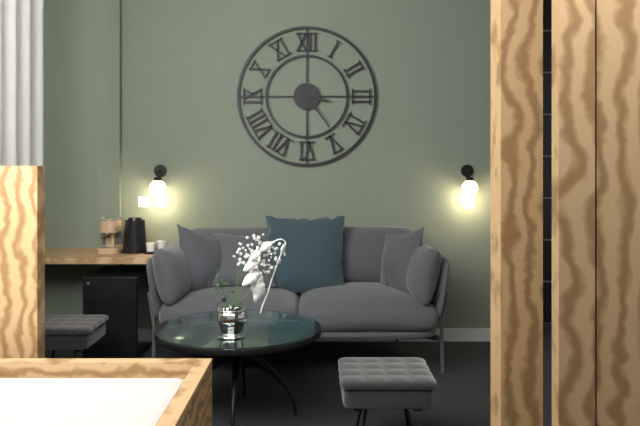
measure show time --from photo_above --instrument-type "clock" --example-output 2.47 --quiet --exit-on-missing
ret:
3.24
